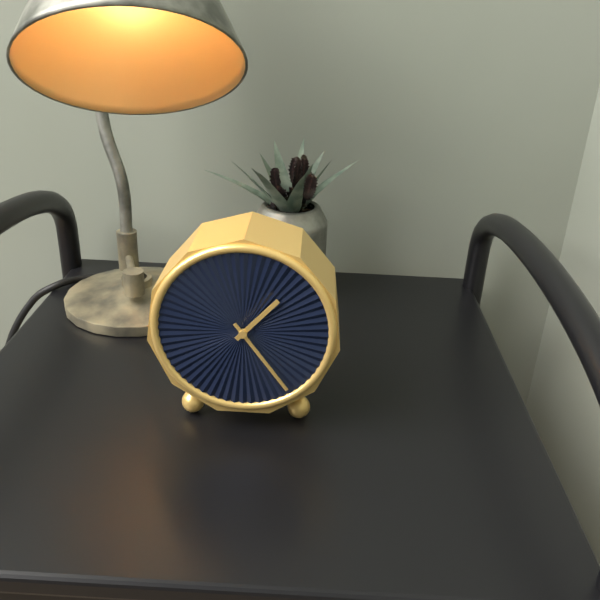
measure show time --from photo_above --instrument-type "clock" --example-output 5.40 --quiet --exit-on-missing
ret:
1.24
